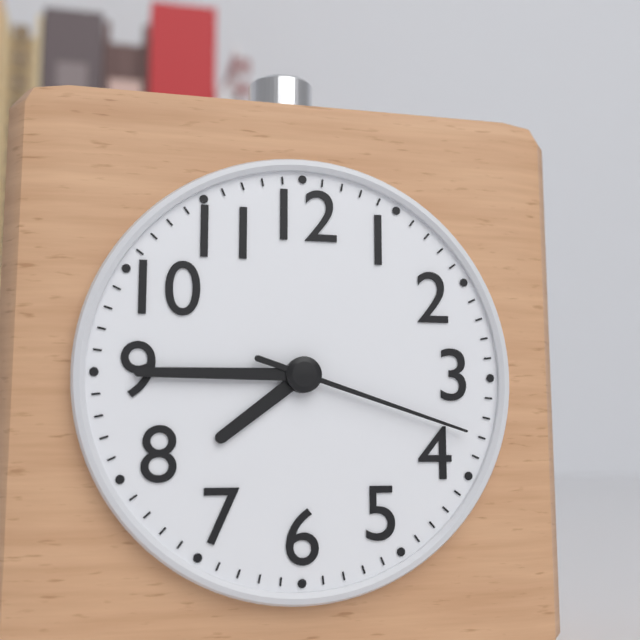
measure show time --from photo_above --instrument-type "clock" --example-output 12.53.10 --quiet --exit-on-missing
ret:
7.45.18
